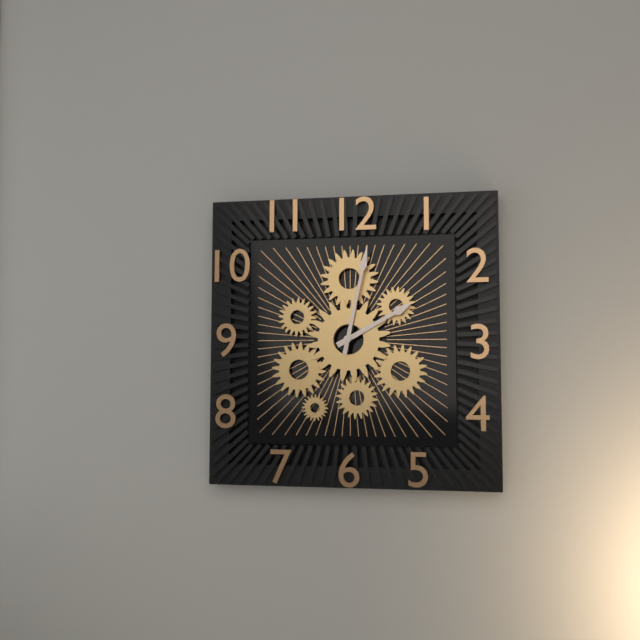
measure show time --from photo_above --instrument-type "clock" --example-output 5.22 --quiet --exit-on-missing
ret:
2.02
